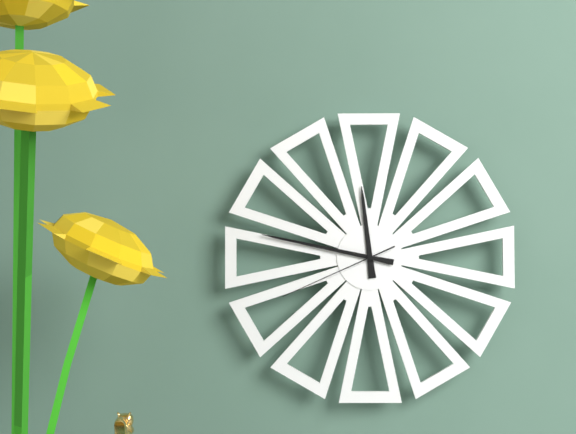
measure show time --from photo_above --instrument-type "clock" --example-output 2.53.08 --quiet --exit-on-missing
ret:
11.47.41
